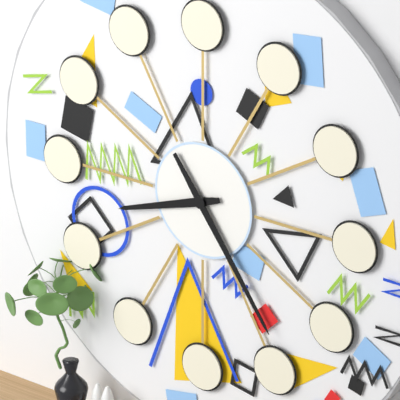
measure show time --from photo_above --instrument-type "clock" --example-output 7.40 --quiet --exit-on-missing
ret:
8.24
